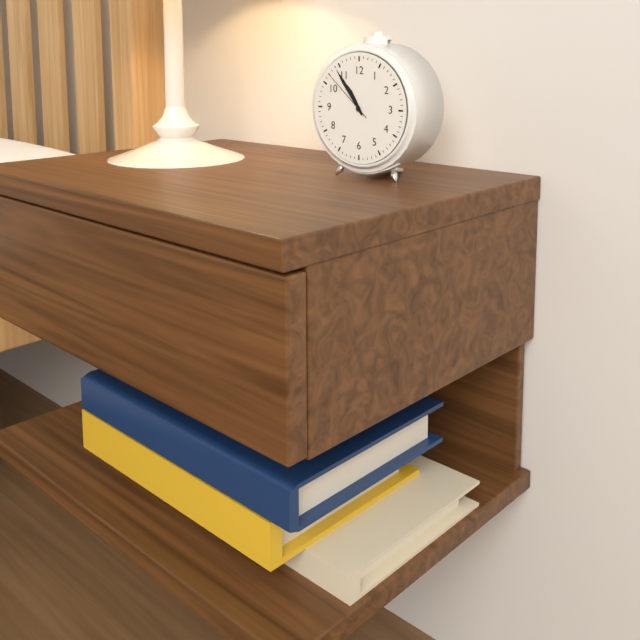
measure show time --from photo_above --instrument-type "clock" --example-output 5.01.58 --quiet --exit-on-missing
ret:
10.54.52
